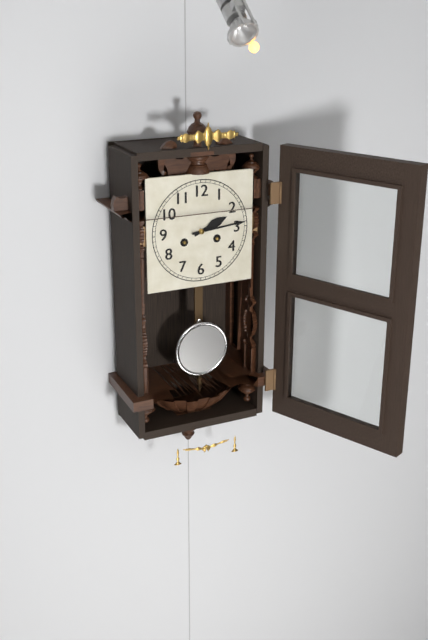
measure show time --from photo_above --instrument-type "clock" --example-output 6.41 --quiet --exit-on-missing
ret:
2.14
